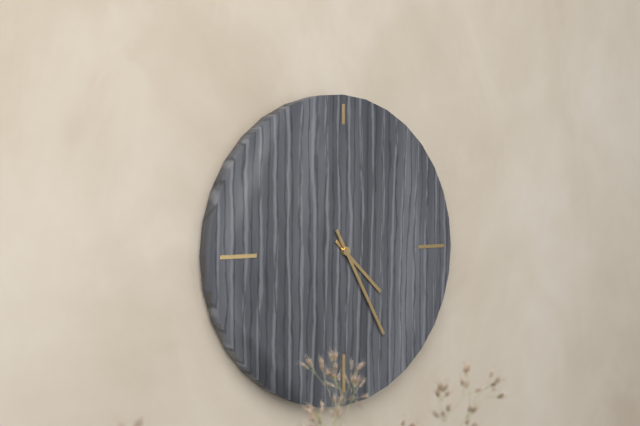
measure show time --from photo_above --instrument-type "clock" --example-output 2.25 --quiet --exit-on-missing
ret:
4.25
